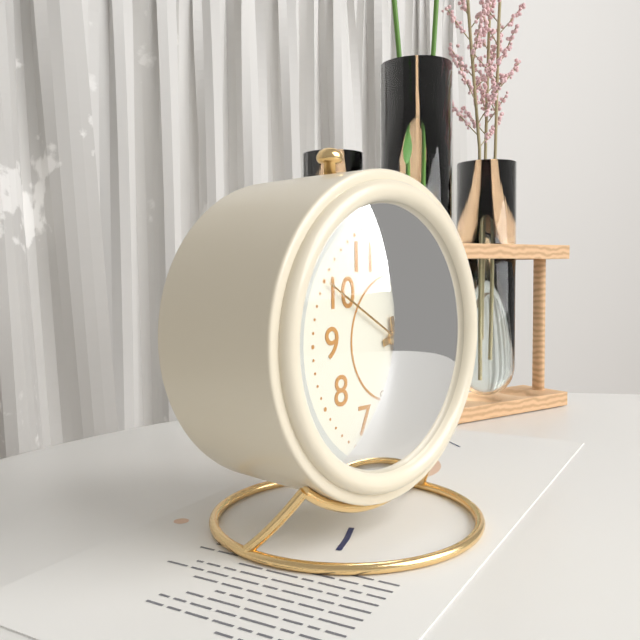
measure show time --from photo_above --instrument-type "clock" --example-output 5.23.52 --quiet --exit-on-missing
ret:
2.28.50
